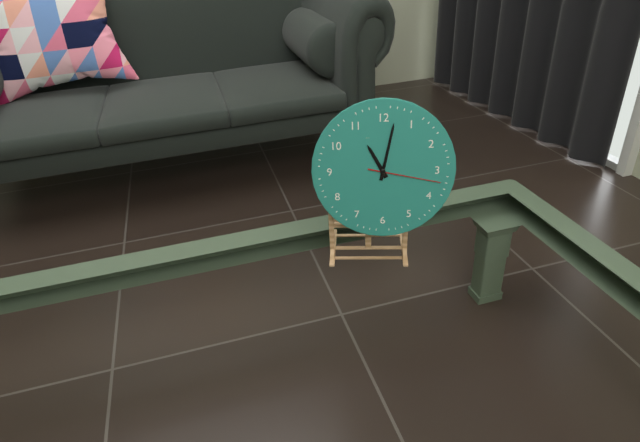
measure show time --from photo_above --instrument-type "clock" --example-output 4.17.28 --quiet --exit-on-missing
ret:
11.02.17
